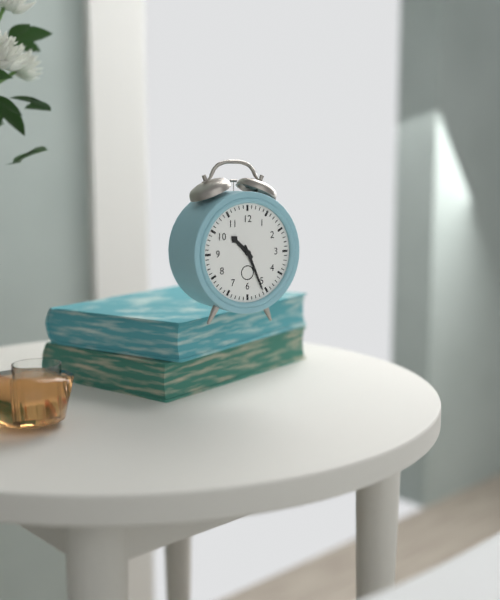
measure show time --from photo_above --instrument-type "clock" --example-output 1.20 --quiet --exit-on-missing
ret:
10.26
